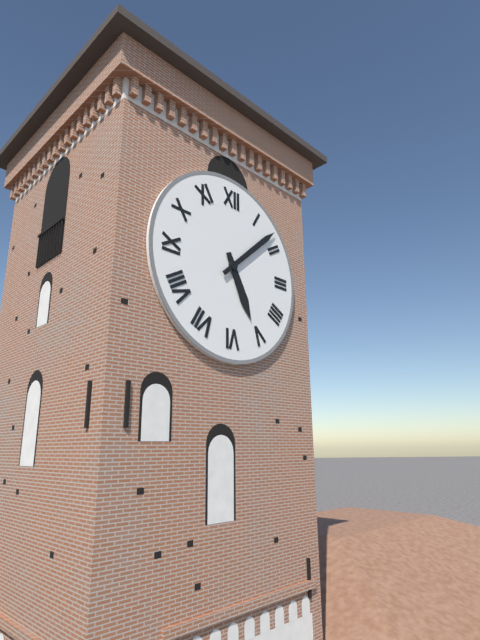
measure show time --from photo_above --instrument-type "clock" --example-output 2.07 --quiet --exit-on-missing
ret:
5.08
